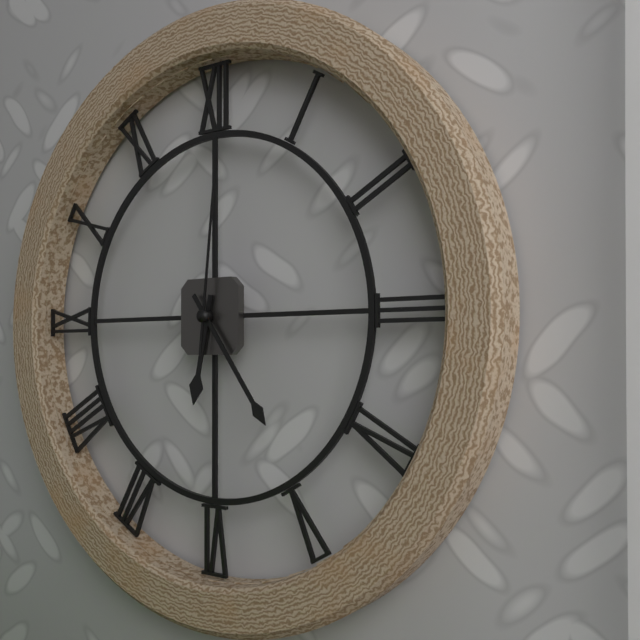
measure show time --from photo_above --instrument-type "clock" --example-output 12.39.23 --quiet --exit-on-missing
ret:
6.24.01
